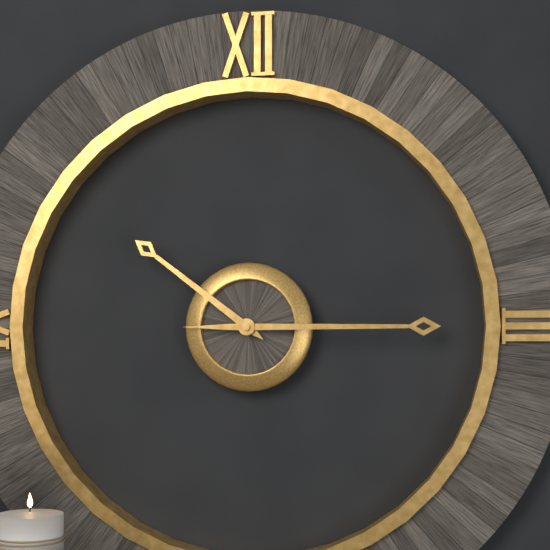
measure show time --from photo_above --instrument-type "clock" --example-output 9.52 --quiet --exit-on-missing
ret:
10.15
